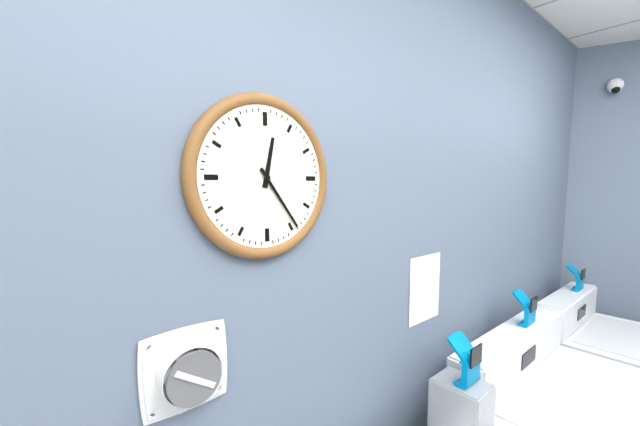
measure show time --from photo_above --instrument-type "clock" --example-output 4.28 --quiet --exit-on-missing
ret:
12.24
